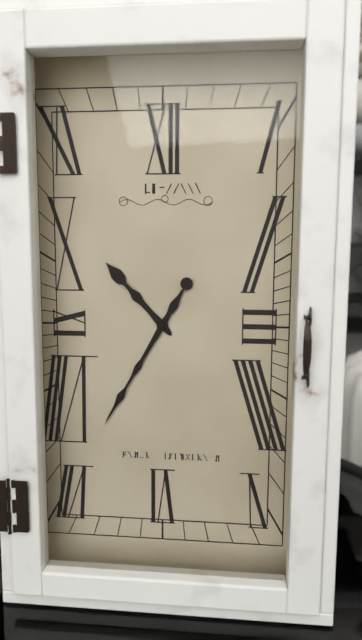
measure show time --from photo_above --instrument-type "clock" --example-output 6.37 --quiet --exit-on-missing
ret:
10.35
